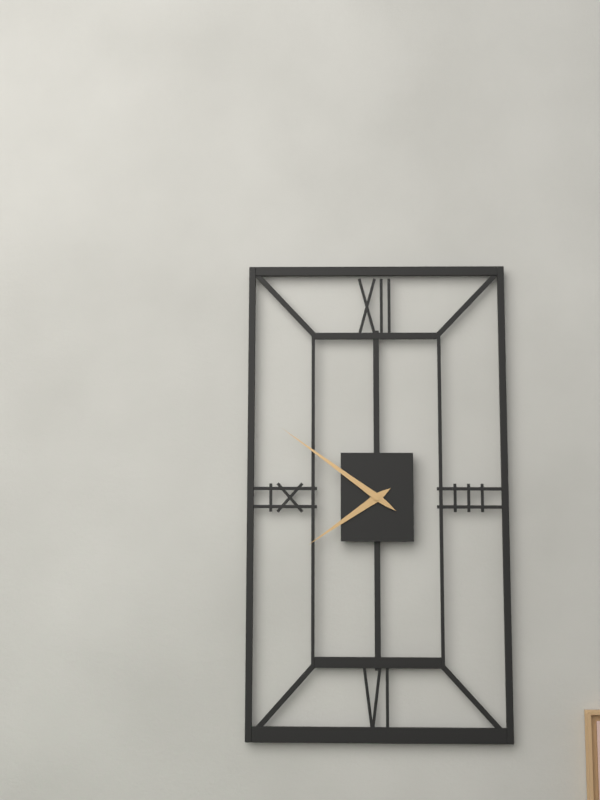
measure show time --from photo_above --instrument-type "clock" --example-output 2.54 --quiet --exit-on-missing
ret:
7.51
